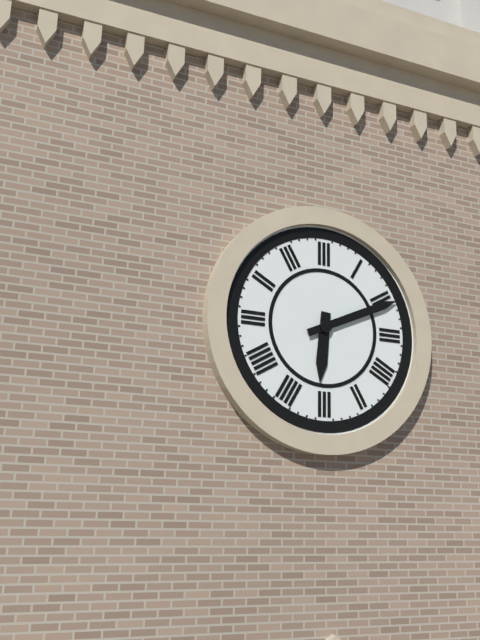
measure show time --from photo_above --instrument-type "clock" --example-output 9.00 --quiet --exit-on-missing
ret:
6.11
